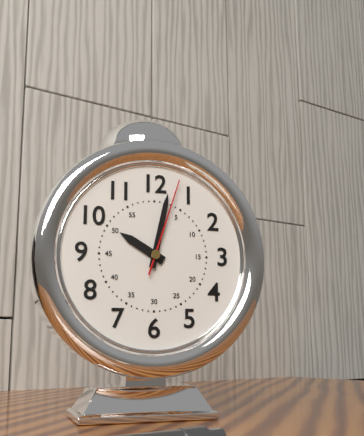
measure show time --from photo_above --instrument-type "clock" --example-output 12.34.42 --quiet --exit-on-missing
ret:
10.02.03
